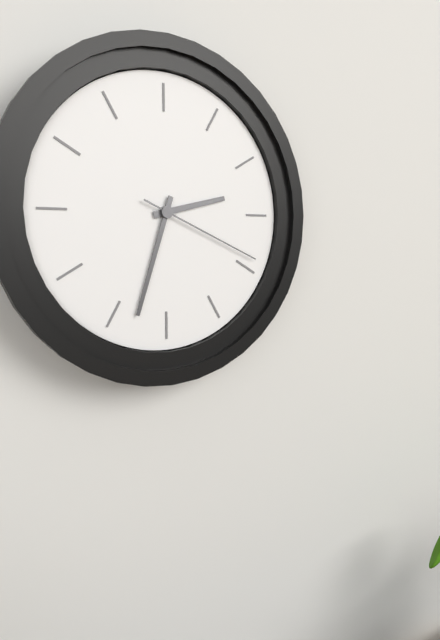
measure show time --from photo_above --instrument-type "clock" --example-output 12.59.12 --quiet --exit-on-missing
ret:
2.33.19
